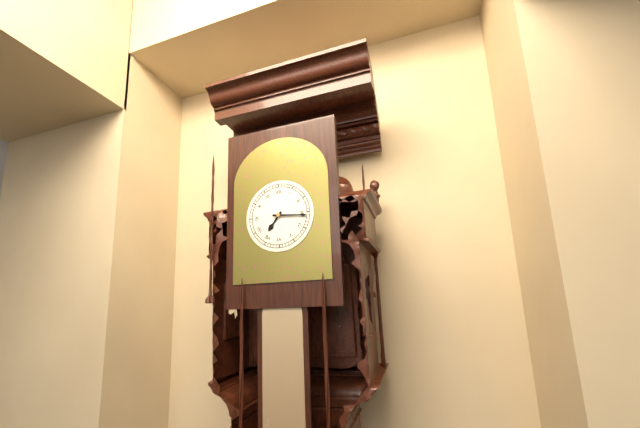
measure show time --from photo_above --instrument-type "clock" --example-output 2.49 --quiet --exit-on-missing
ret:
7.16
